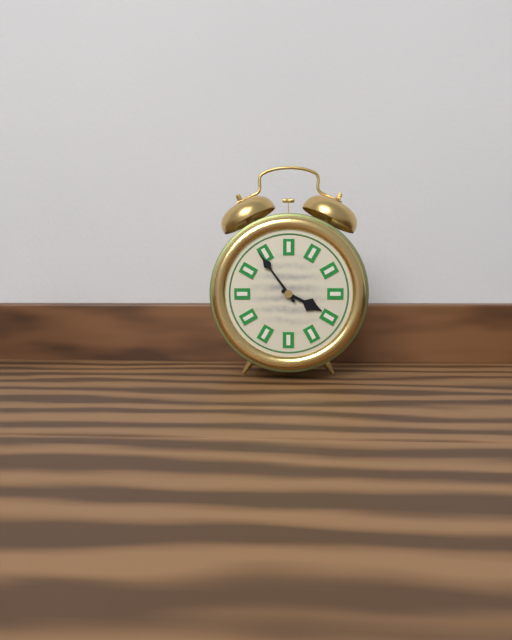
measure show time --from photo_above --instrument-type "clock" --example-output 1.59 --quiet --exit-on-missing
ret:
3.54
